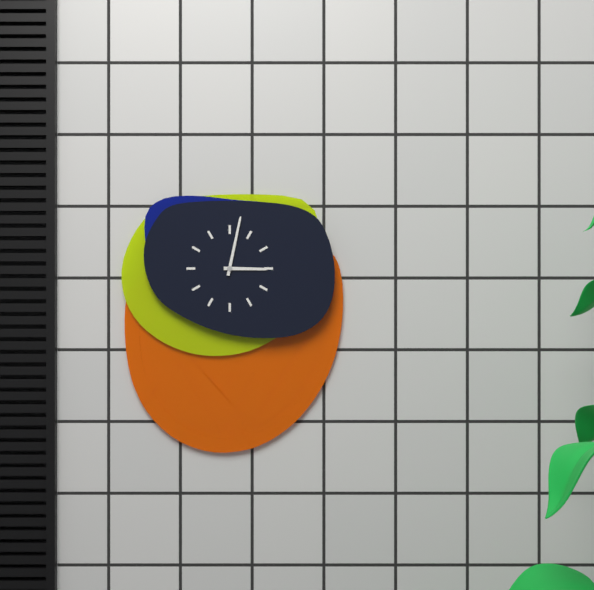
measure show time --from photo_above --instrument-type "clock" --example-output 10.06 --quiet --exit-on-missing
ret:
3.02
